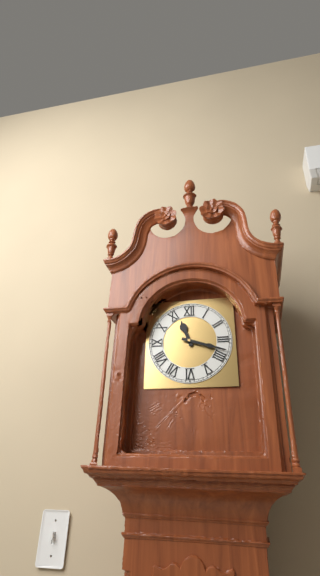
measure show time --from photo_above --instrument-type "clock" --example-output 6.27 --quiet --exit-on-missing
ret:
11.18
